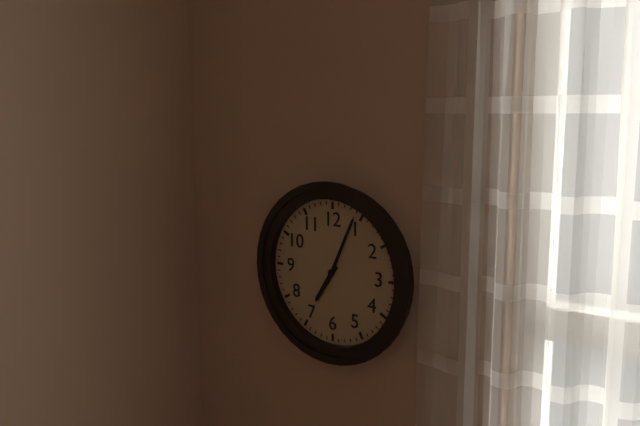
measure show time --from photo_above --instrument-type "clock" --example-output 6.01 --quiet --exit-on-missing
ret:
7.04
